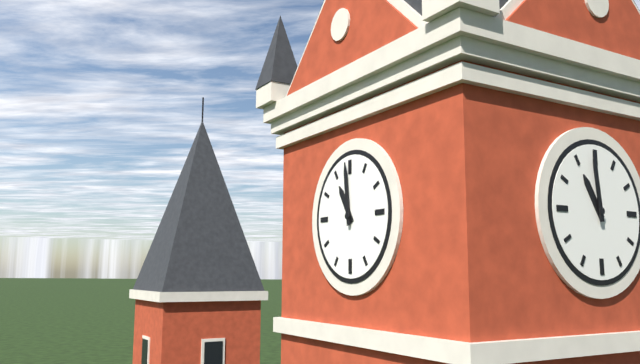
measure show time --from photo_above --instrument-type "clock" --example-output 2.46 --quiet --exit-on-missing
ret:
10.59
